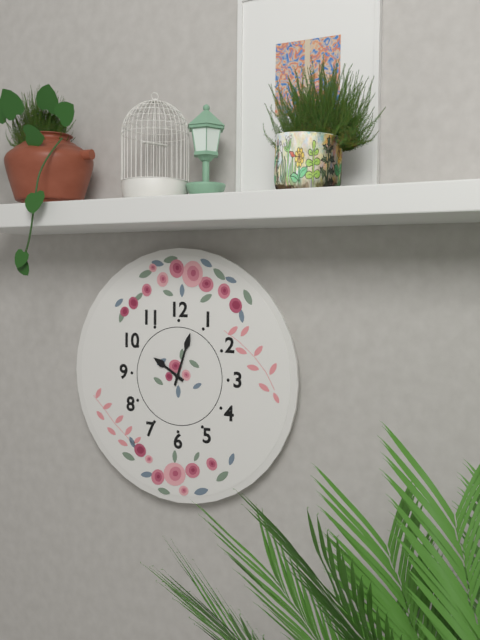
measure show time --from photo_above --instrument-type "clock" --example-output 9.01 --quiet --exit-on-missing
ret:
10.03
